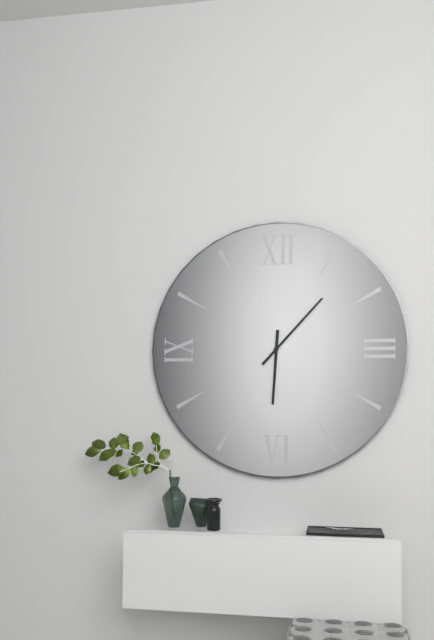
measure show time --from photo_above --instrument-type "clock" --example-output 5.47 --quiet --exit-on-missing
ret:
6.07
